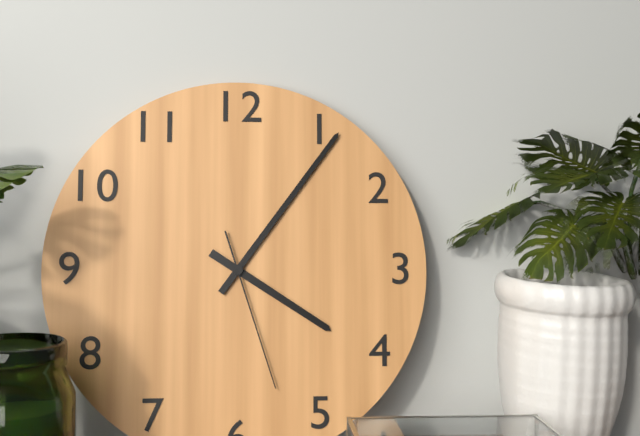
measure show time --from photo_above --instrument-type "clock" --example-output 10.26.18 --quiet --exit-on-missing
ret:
4.06.27
